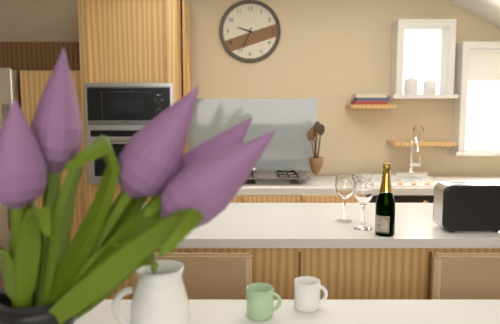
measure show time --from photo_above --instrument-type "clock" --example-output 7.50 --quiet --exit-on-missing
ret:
9.34
